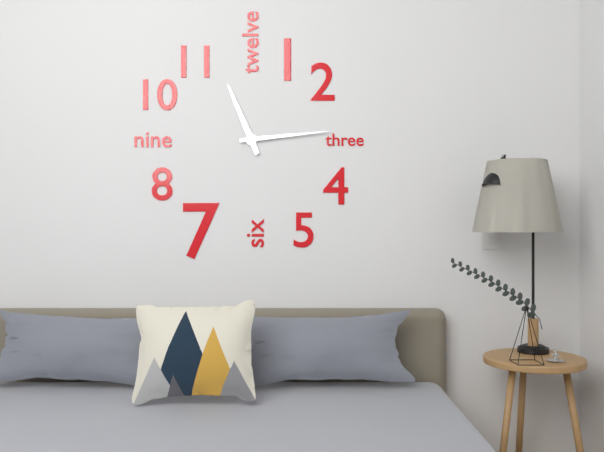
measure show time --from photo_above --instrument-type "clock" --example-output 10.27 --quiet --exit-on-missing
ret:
11.14
